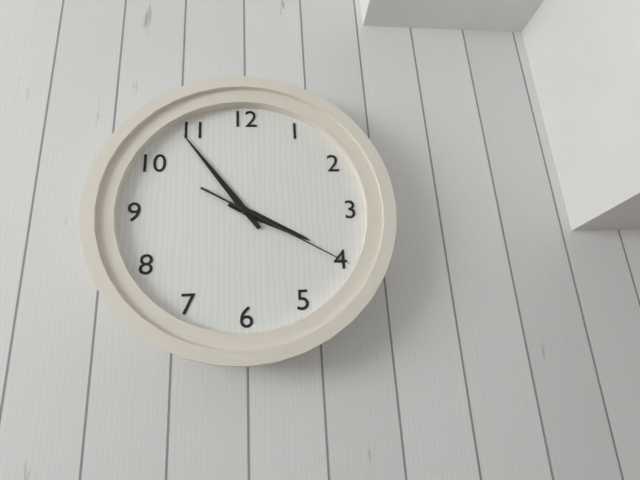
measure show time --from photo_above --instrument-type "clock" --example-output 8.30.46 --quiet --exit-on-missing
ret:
3.54.20
